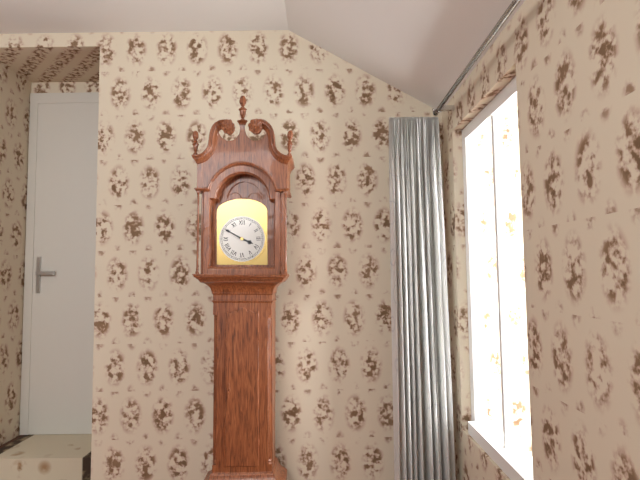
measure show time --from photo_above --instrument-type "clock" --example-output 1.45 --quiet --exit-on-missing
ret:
3.50
